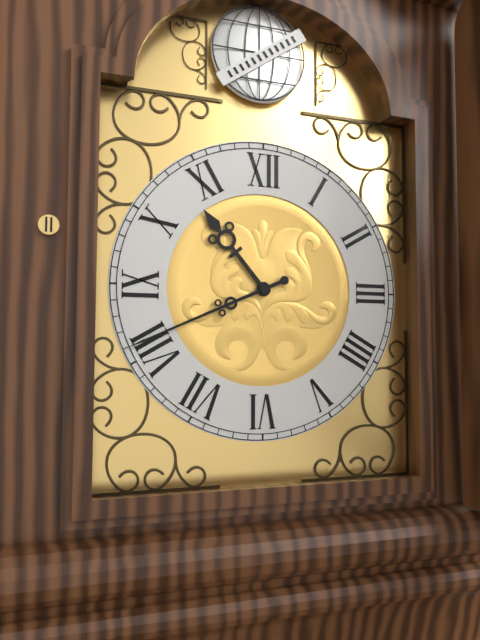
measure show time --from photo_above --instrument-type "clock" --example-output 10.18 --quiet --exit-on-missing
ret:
10.41
